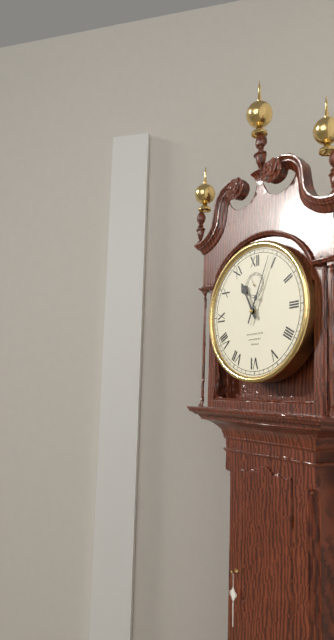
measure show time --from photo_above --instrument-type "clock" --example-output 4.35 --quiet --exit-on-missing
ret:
11.04
